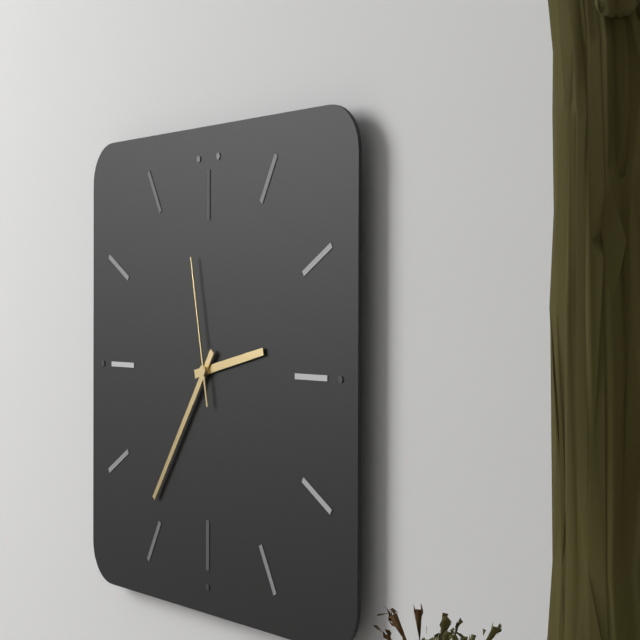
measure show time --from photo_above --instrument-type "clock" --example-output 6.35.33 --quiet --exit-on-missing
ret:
2.36.58
